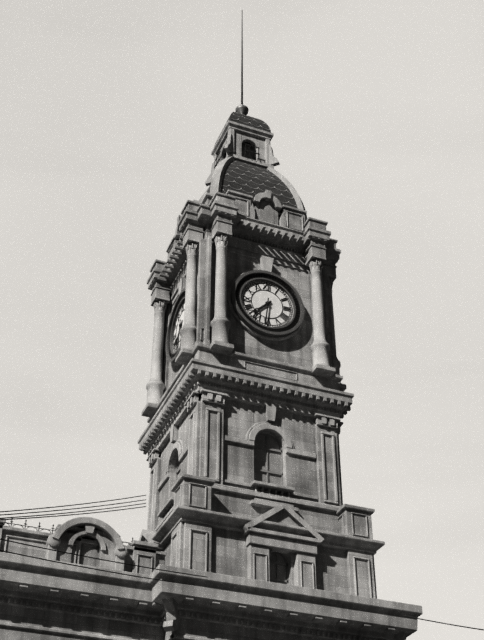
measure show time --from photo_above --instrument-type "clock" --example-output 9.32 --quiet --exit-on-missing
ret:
7.31
